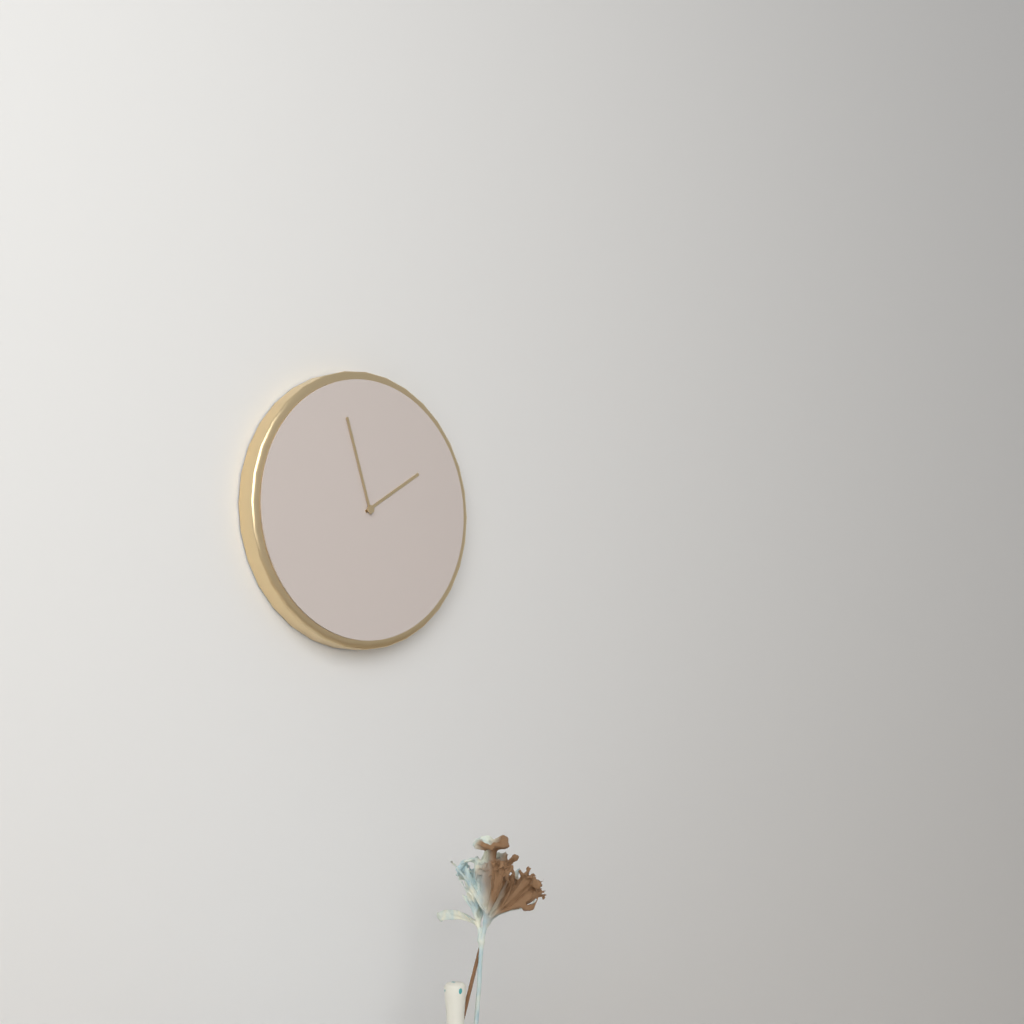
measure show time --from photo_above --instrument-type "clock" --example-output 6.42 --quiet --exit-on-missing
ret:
1.57
